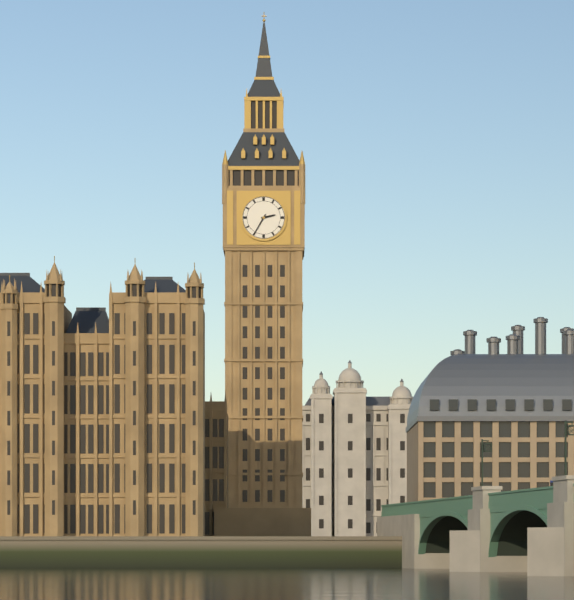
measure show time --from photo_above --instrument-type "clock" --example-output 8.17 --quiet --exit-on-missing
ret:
2.35
